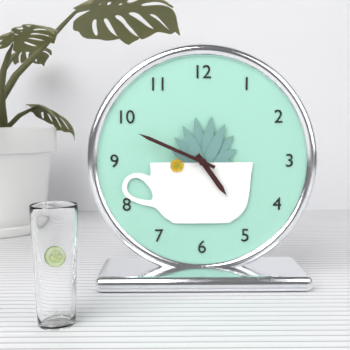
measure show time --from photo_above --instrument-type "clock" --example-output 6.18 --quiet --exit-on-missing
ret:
4.49
